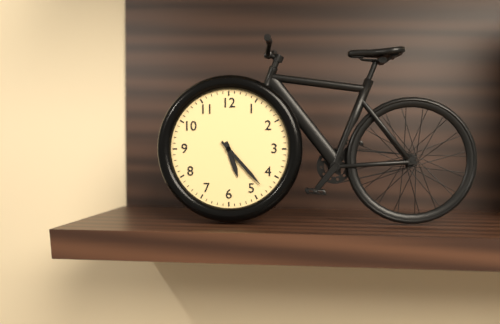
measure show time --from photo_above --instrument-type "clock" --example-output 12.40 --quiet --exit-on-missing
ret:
5.23
